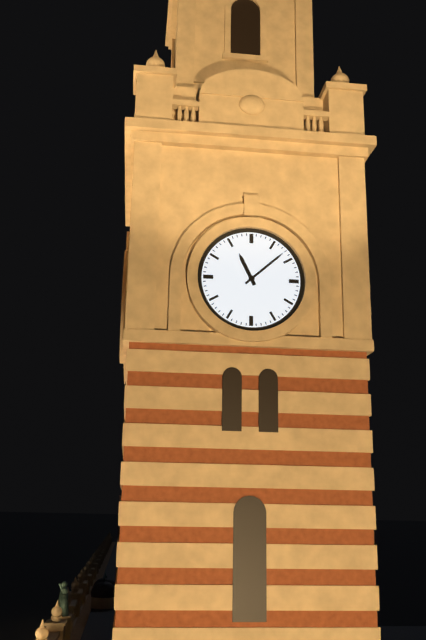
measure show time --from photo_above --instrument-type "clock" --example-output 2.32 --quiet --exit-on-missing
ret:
11.08
